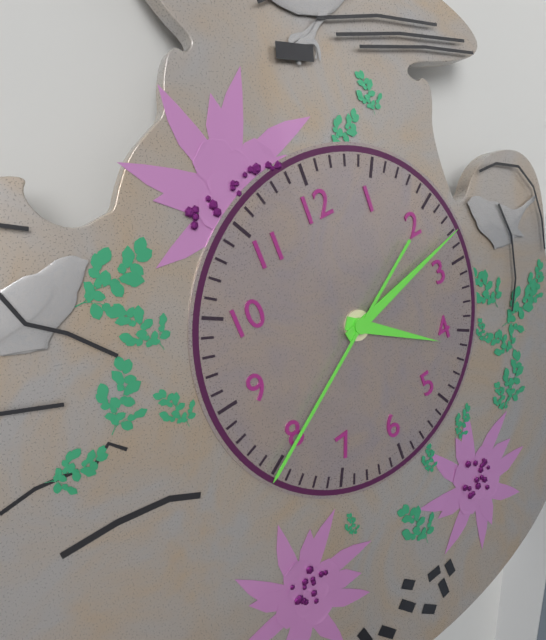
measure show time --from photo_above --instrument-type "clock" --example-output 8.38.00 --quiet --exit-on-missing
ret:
4.13.40
